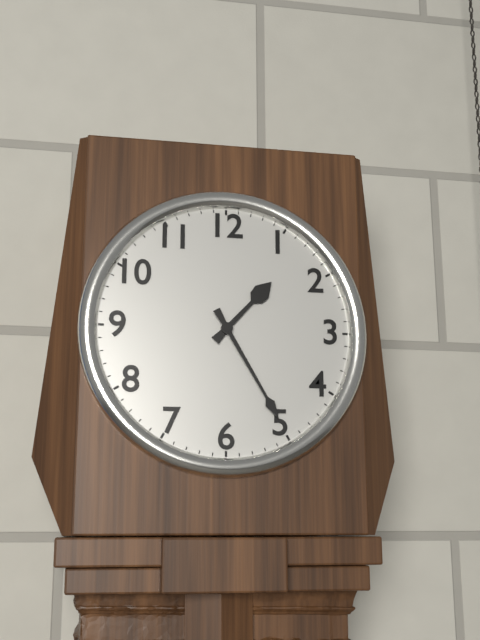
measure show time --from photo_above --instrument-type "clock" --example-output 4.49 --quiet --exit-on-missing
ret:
1.25
